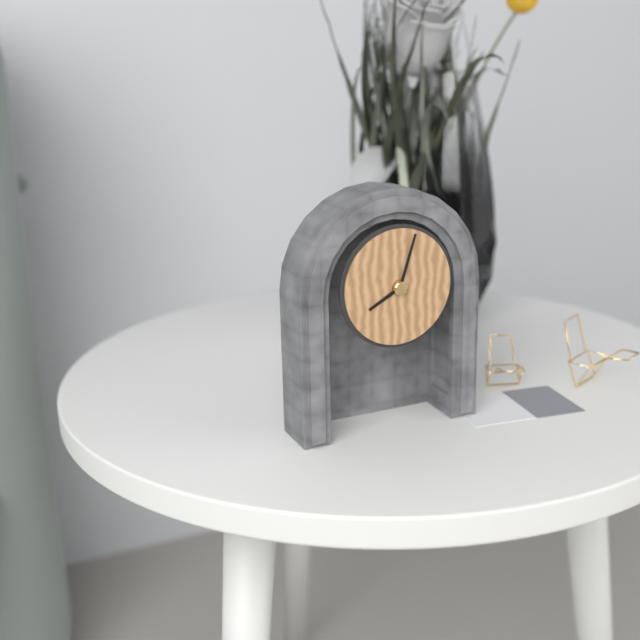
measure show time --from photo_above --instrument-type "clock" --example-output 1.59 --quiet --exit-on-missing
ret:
8.03
